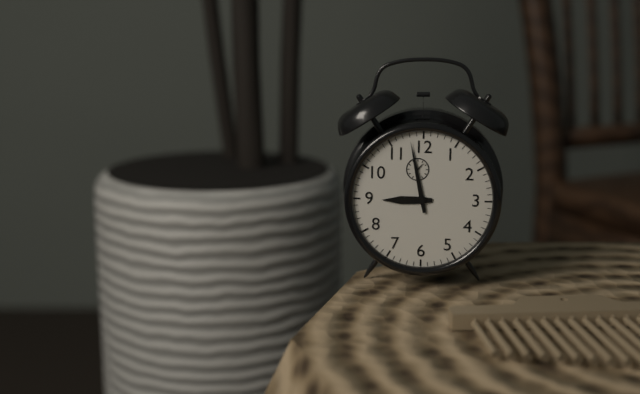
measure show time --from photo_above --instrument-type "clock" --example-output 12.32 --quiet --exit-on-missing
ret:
8.58
